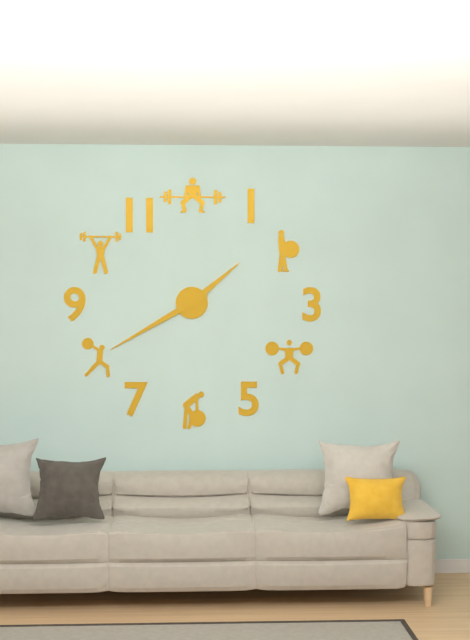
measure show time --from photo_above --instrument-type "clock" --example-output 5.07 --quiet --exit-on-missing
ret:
1.40
